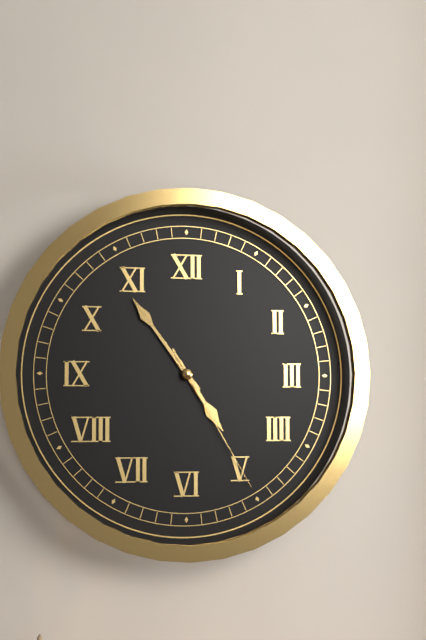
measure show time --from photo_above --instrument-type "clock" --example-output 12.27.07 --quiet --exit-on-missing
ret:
4.54.25
